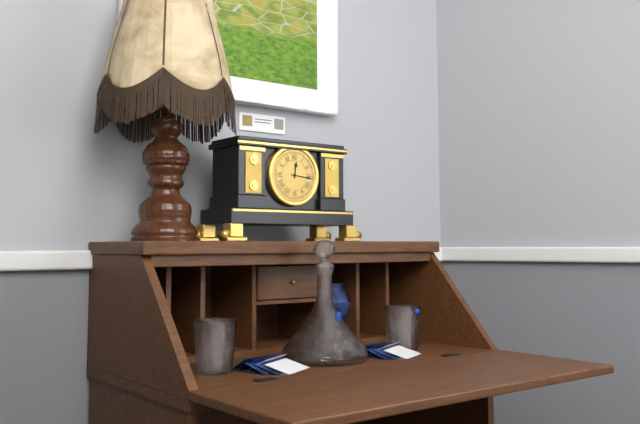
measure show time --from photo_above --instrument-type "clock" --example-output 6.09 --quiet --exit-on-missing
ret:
12.16
